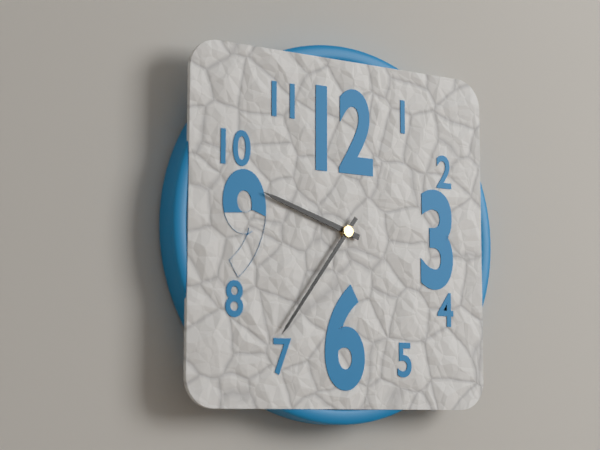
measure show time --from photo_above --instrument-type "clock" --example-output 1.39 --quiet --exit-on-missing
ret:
9.36
